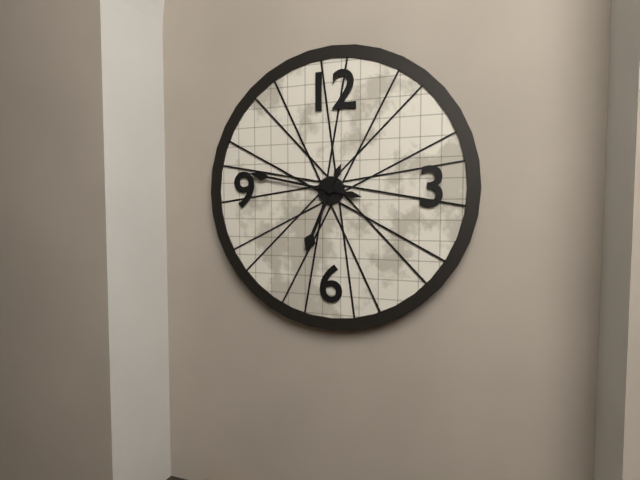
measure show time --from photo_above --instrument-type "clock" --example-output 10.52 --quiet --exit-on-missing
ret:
6.47
